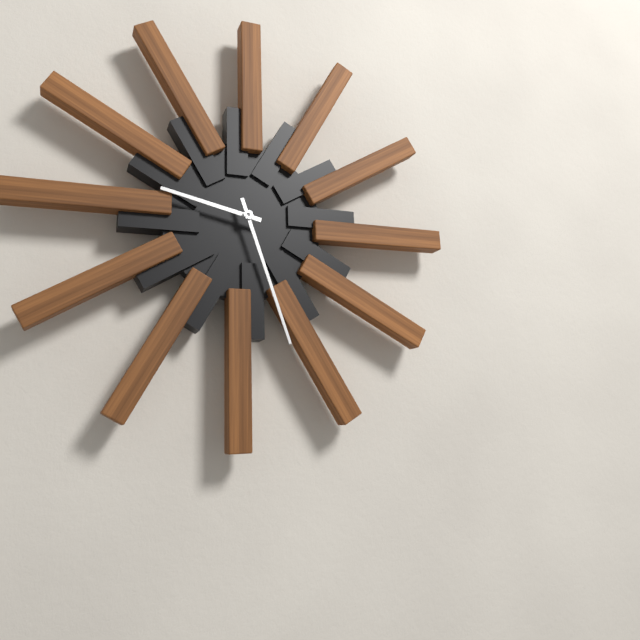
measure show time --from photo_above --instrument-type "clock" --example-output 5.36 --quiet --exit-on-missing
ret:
9.27
